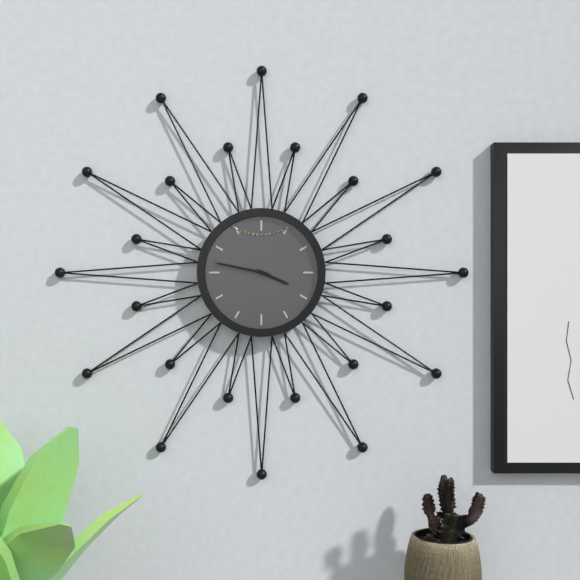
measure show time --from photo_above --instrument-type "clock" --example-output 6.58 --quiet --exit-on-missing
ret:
3.47
